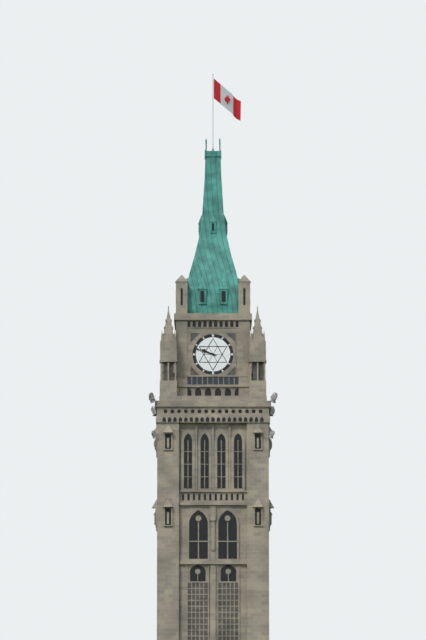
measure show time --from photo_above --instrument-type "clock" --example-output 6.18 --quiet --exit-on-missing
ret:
9.48
